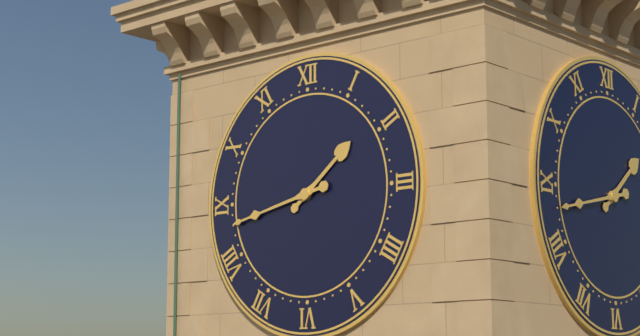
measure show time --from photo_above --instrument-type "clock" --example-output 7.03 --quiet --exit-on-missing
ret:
1.43
